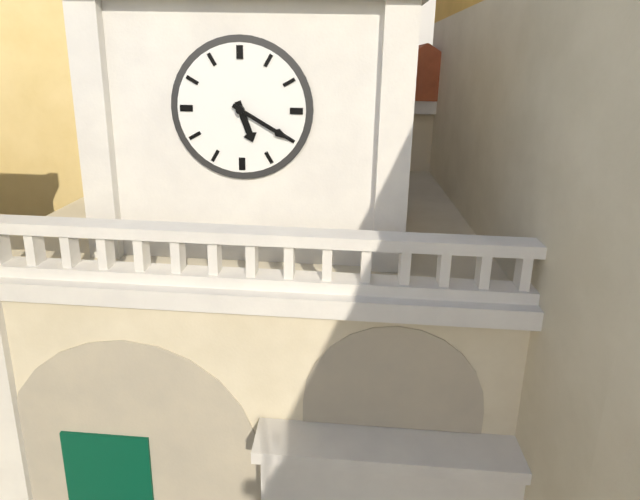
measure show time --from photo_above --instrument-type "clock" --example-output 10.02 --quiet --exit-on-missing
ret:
5.20
